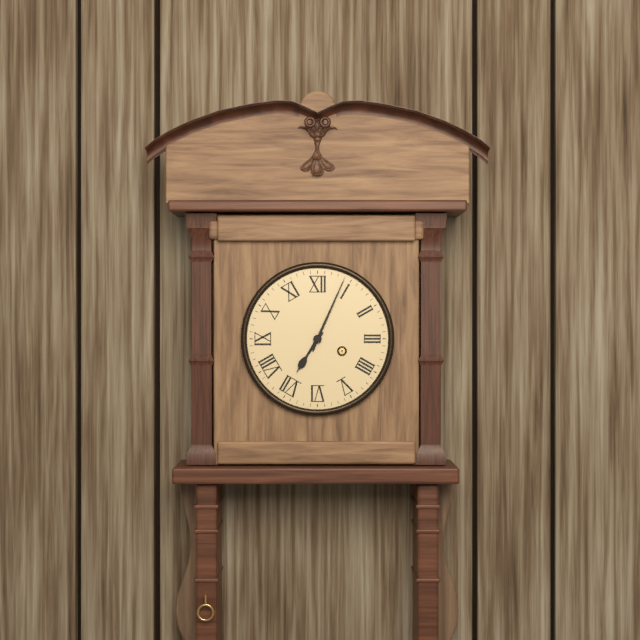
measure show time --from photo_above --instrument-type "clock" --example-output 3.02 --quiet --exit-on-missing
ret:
7.04
